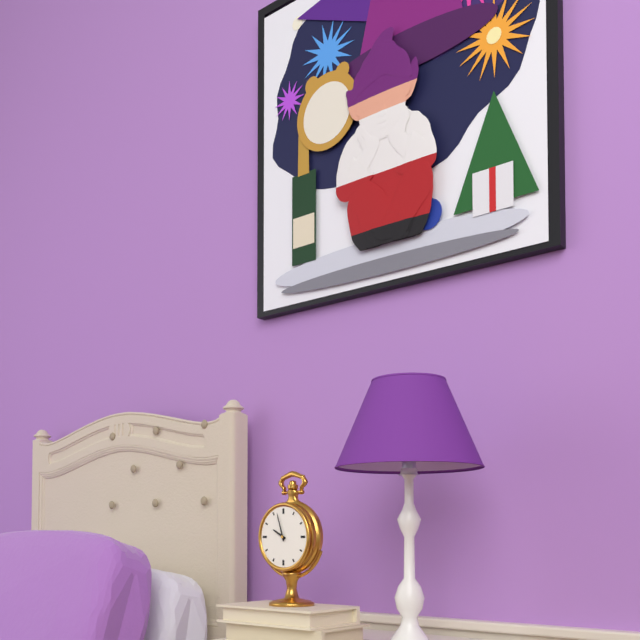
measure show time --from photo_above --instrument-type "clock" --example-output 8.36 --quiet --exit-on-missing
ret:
9.57
